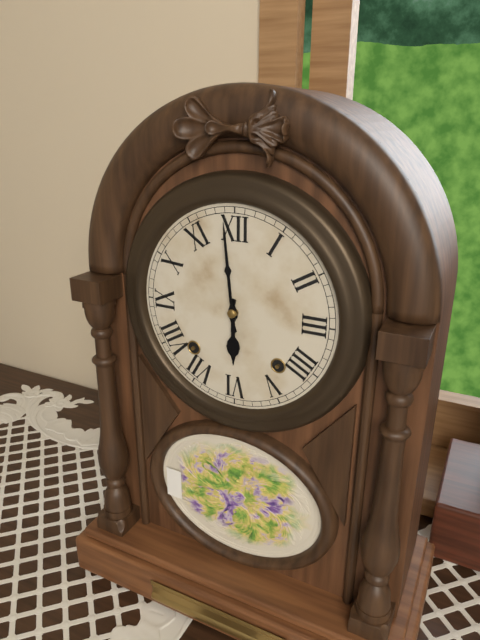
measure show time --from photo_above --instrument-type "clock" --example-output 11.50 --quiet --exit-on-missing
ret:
5.59
